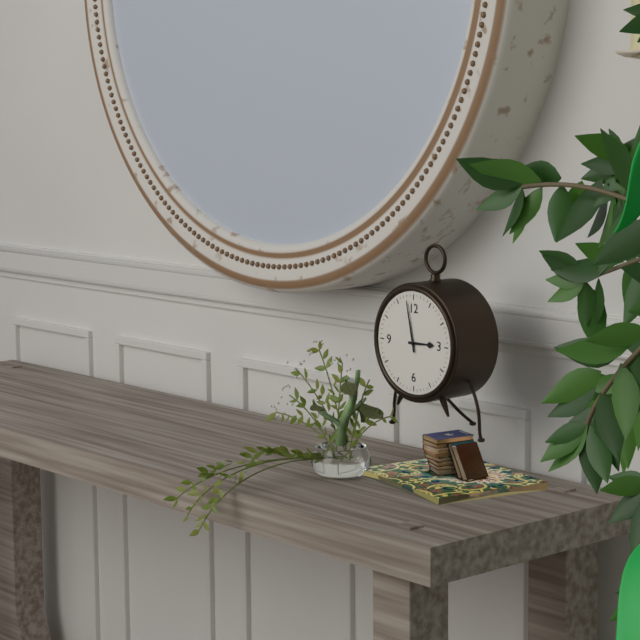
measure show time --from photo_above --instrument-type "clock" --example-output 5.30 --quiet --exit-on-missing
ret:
2.58
